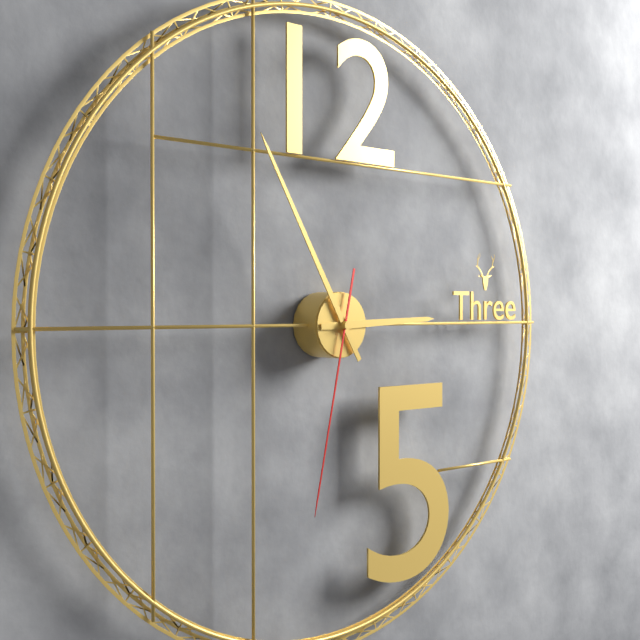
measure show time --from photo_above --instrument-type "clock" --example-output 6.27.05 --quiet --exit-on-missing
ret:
2.55.32
